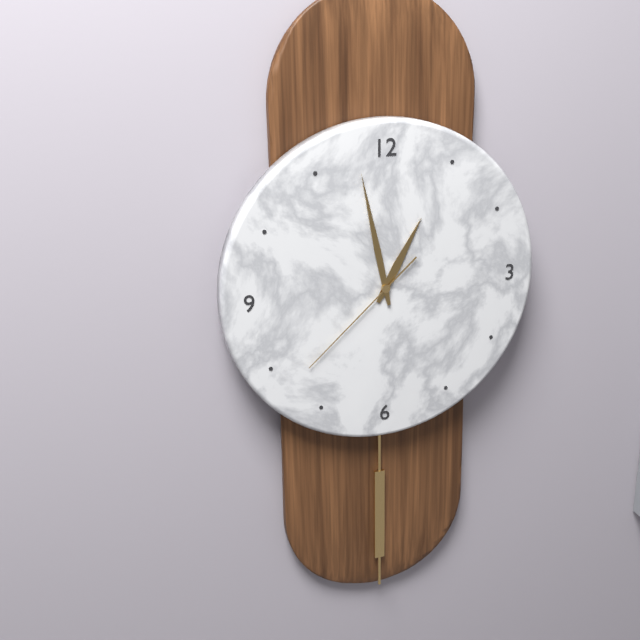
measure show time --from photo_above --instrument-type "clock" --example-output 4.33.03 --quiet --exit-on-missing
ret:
12.58.38
